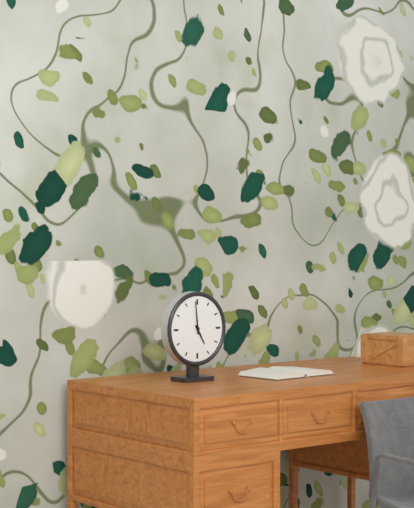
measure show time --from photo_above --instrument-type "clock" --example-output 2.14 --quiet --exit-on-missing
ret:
4.59
